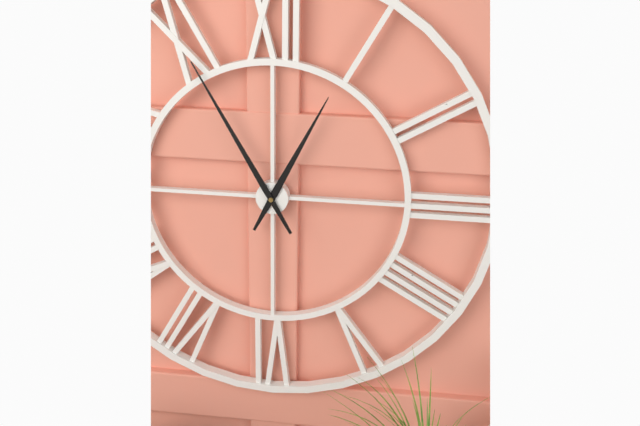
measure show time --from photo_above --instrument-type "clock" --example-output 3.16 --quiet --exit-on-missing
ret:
12.55
